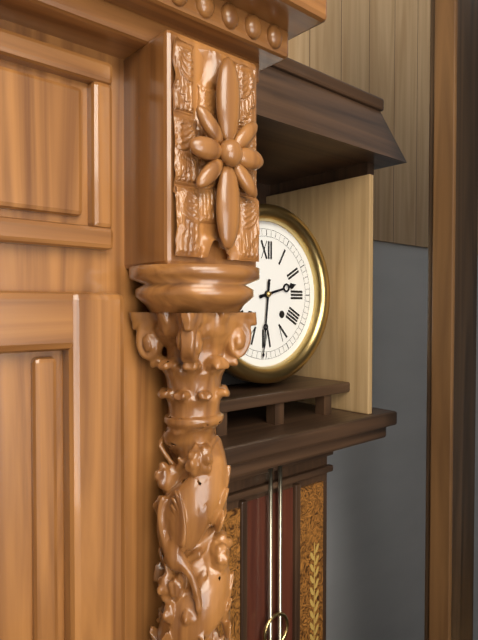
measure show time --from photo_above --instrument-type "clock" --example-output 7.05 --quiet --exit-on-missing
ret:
2.31
